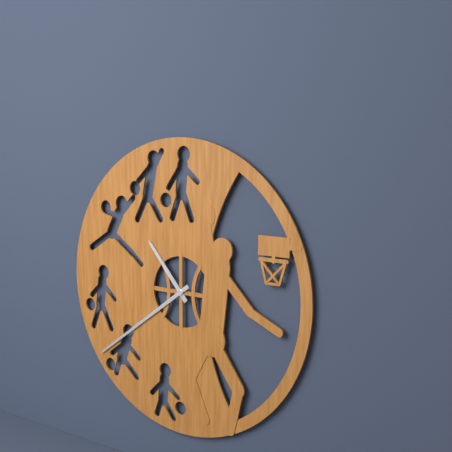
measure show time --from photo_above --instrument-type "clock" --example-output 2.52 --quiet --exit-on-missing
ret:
10.39
